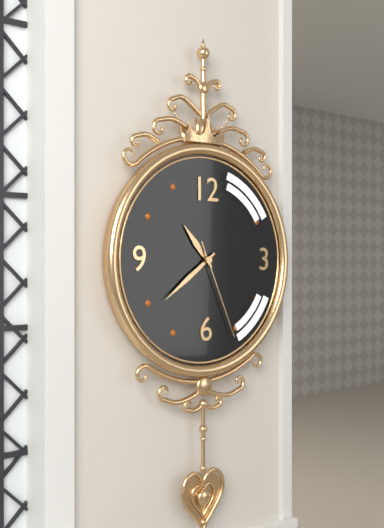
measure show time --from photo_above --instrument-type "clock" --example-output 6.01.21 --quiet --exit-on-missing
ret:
10.39.26
